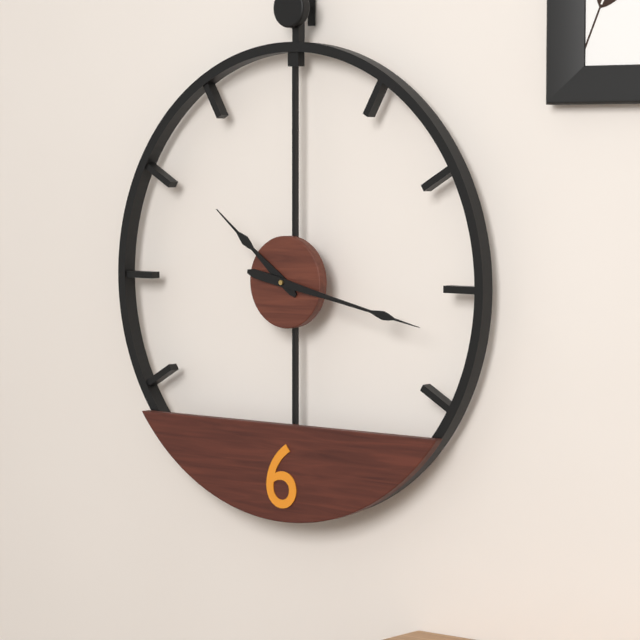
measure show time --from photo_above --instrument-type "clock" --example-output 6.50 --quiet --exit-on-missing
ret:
10.17
